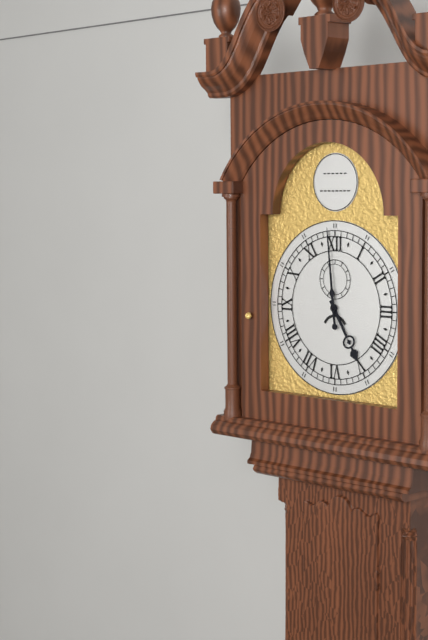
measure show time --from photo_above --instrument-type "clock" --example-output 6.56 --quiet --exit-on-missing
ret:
4.59
